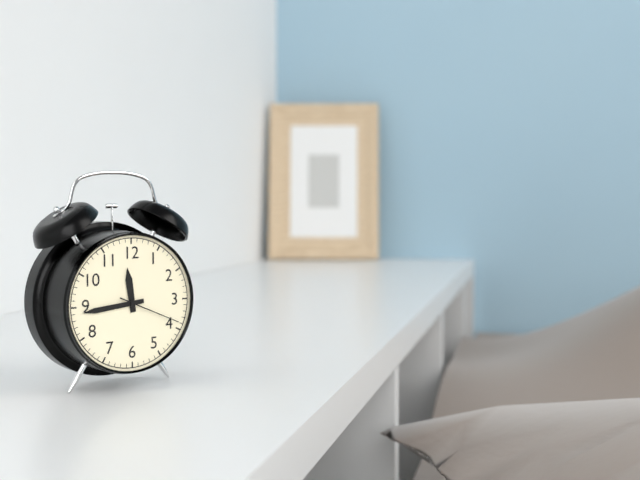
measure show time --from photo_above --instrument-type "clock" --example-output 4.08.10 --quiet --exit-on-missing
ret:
11.44.19
